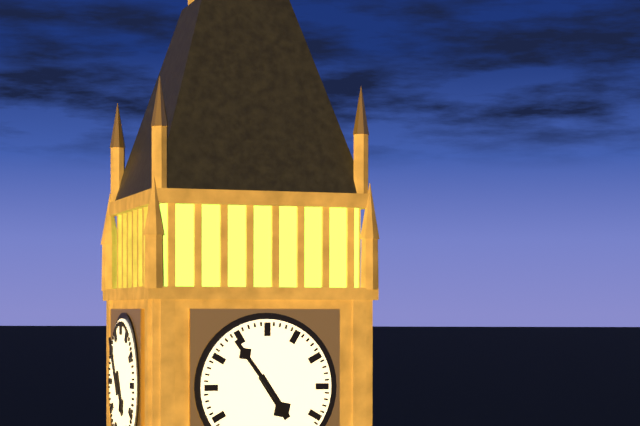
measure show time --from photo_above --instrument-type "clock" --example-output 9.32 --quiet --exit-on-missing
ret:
4.54
